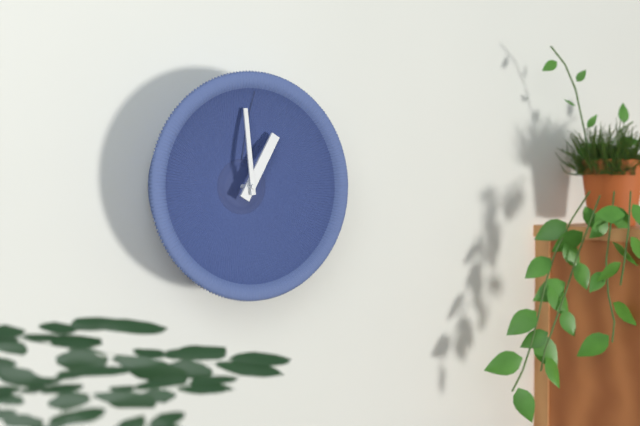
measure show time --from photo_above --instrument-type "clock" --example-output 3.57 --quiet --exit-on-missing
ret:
12.59
